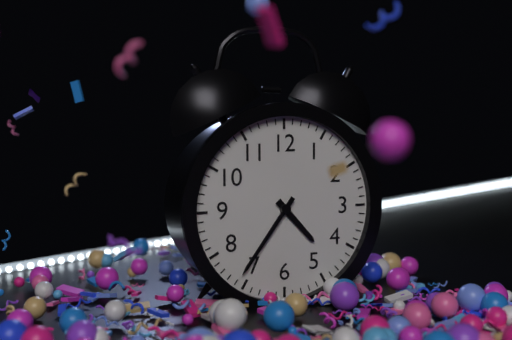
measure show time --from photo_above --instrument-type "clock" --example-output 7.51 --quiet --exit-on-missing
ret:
4.36
